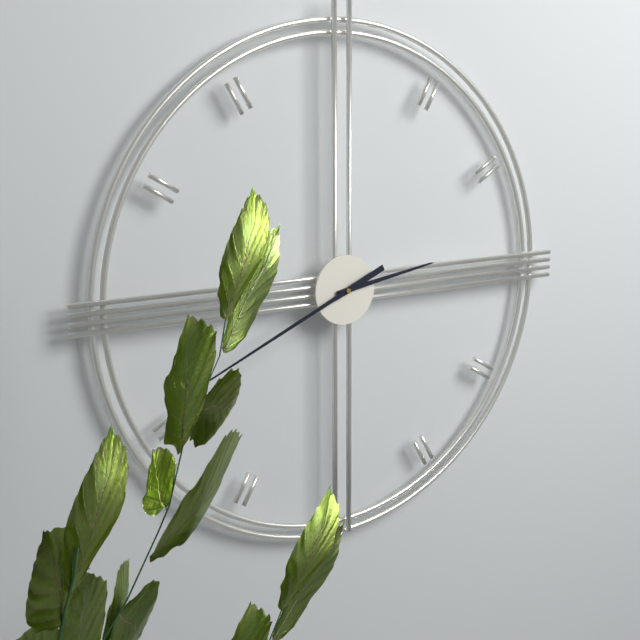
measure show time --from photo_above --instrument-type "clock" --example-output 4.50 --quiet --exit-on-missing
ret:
2.41
